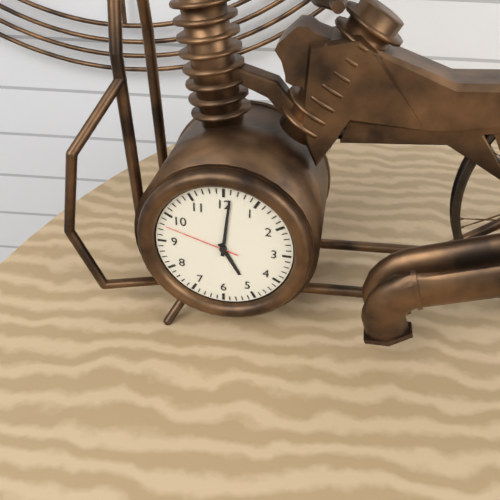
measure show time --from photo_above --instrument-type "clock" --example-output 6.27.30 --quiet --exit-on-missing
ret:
5.01.48
